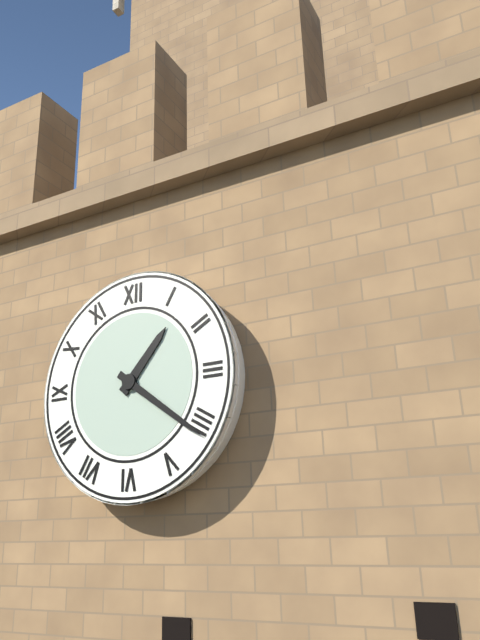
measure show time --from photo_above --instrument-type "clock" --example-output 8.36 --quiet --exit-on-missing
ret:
1.21
